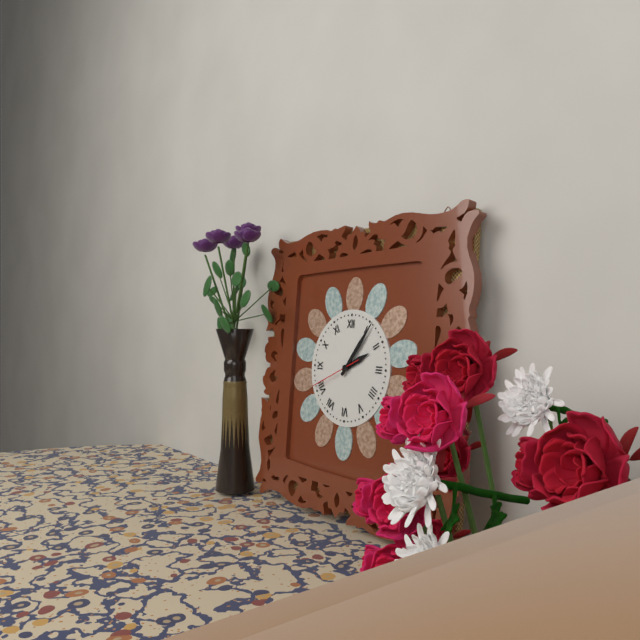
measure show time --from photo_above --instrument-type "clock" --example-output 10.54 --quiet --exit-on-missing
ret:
2.06
